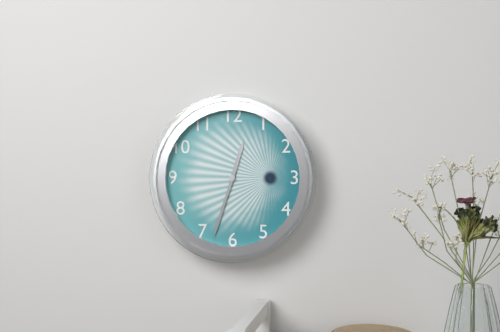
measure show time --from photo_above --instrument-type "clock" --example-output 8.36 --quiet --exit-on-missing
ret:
12.33
